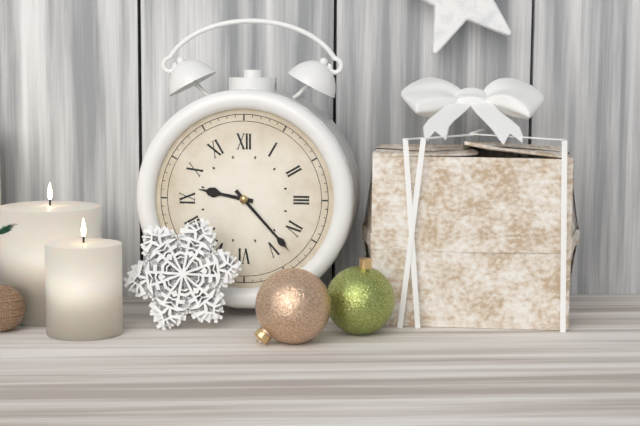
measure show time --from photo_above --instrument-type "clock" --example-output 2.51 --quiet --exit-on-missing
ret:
9.23
